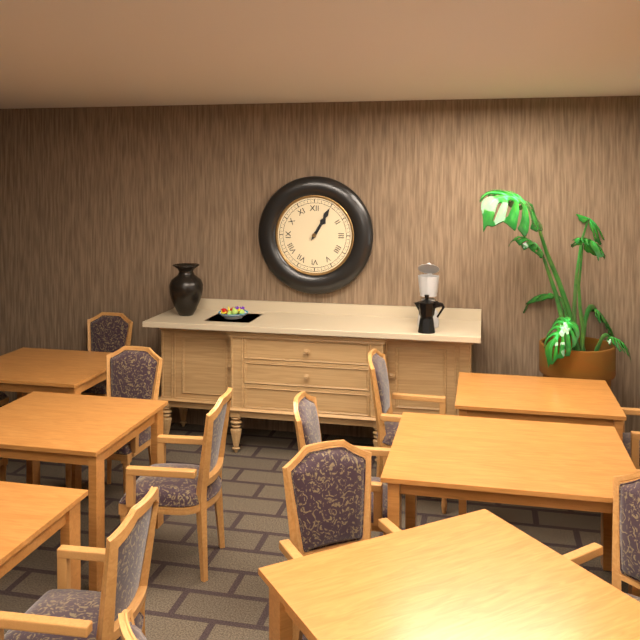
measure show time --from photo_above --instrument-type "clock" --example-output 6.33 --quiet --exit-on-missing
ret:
1.05
